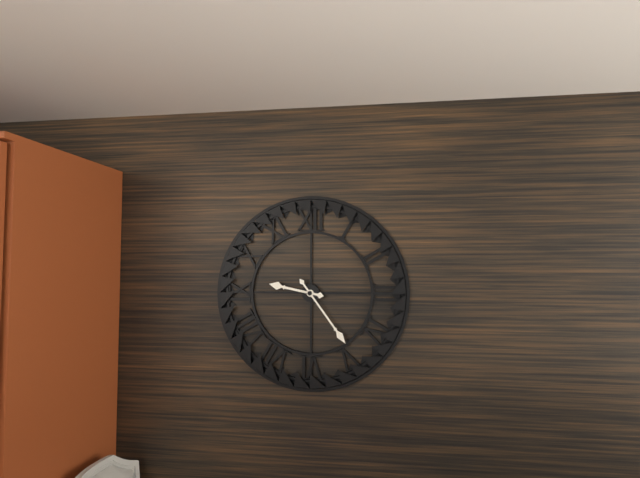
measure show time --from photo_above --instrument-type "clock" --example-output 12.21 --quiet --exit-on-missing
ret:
9.24
